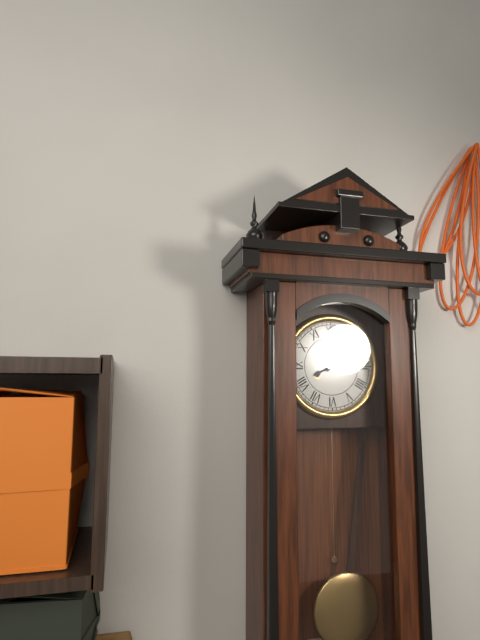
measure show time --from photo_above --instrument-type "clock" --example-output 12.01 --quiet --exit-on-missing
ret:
8.08
